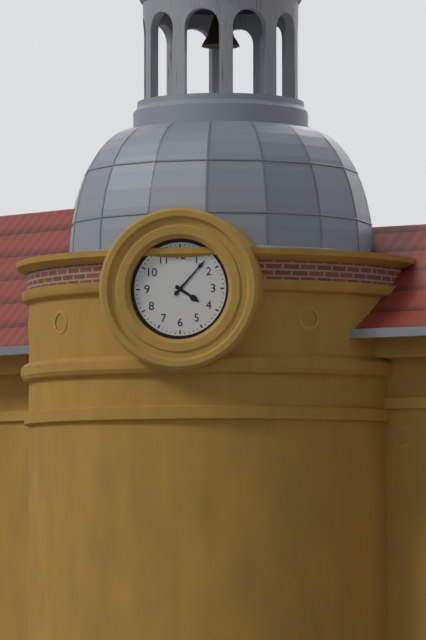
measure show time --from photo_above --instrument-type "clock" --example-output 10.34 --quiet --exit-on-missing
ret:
4.07
